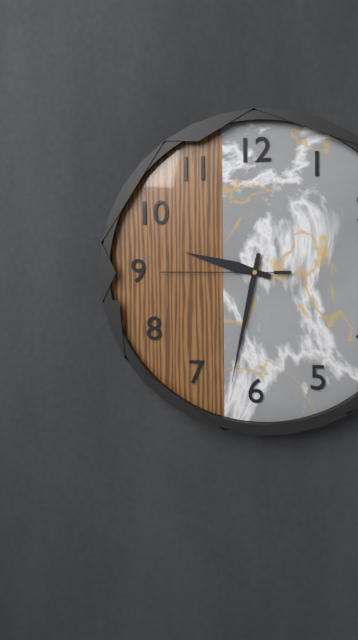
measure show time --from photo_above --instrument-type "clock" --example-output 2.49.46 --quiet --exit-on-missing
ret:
9.32.45
